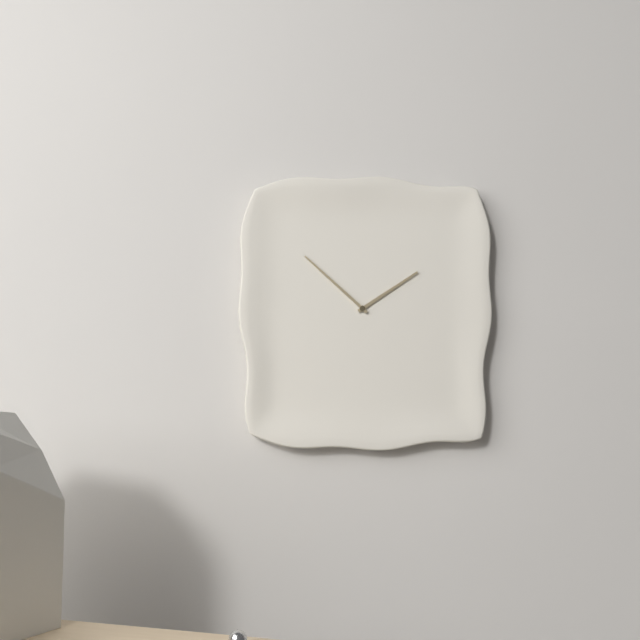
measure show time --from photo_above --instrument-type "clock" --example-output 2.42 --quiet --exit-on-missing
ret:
1.52
